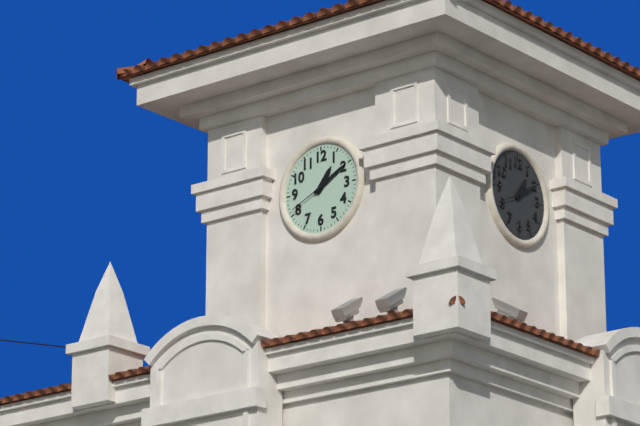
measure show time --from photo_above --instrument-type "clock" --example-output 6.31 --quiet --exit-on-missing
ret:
1.10
